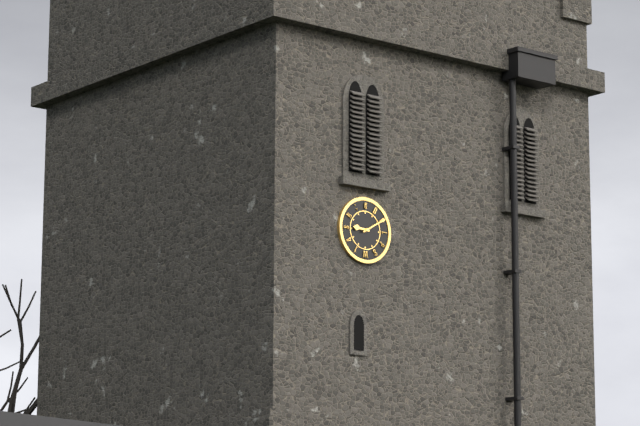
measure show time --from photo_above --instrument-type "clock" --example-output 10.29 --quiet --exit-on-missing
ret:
9.10
